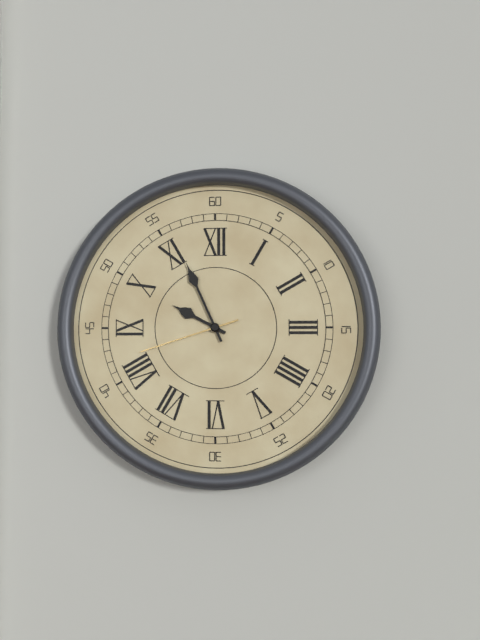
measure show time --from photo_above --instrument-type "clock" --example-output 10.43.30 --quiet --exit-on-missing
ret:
9.56.42
